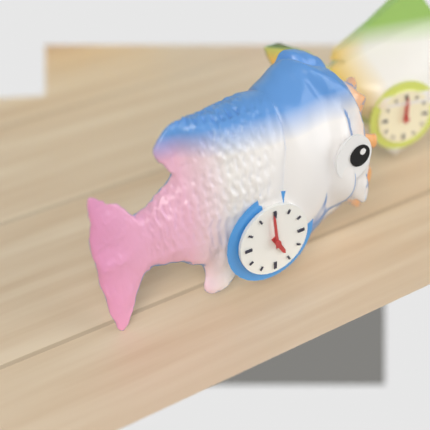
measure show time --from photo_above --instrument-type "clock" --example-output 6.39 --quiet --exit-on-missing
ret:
4.59
